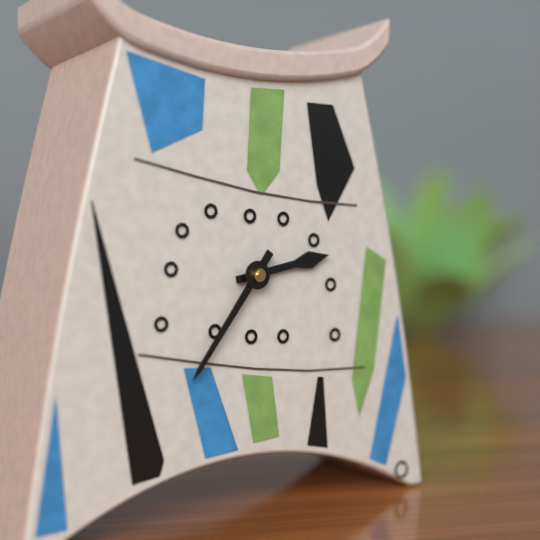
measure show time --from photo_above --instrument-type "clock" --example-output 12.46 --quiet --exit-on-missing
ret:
2.36
